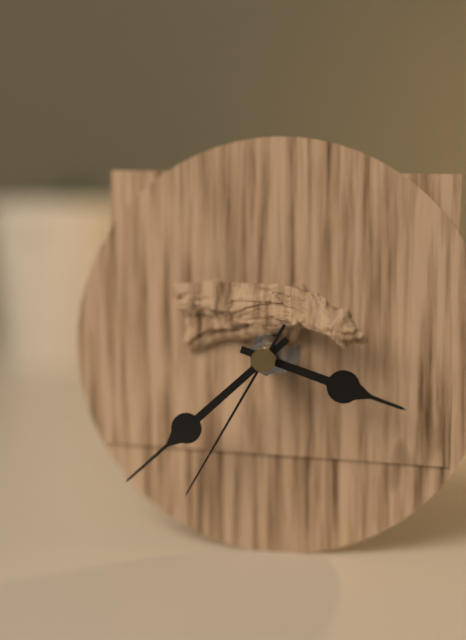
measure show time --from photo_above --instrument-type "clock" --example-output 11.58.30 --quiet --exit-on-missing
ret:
3.38.35
